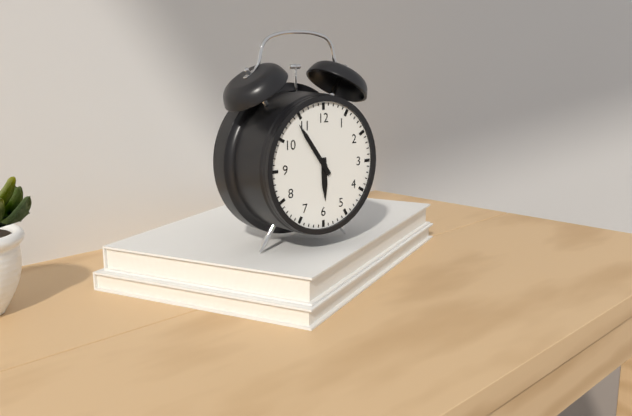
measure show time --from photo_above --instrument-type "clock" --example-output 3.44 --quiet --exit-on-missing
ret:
5.54
